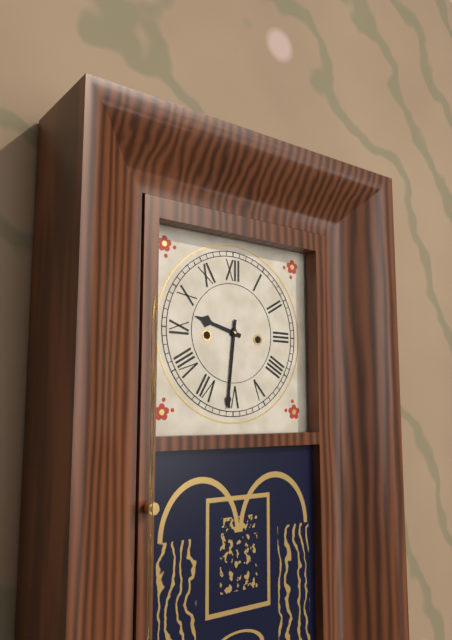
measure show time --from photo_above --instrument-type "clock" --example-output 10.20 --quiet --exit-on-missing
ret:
9.31
